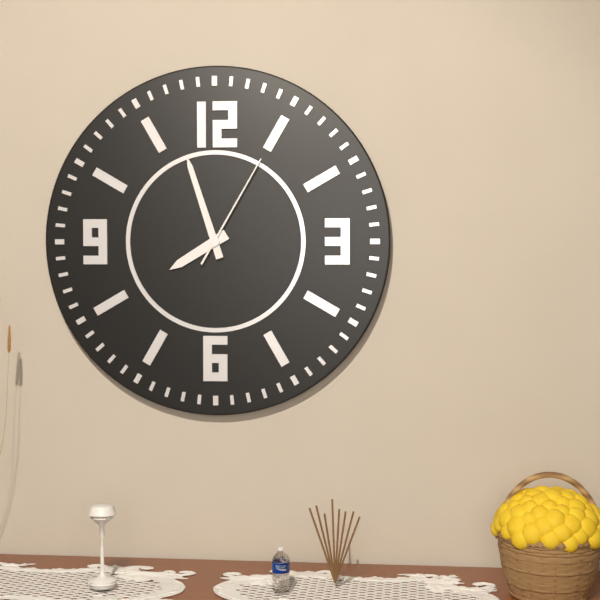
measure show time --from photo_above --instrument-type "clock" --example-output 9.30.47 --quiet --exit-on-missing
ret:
7.57.05
